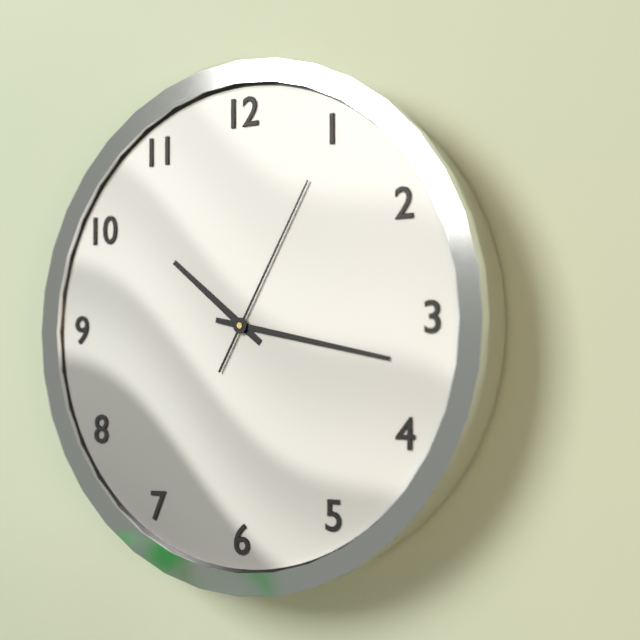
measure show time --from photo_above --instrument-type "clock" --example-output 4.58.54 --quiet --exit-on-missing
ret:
10.17.05
